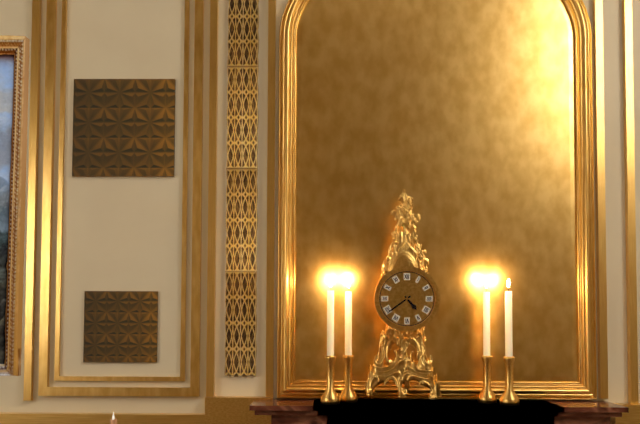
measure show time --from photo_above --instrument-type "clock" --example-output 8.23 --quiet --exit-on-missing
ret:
4.39
